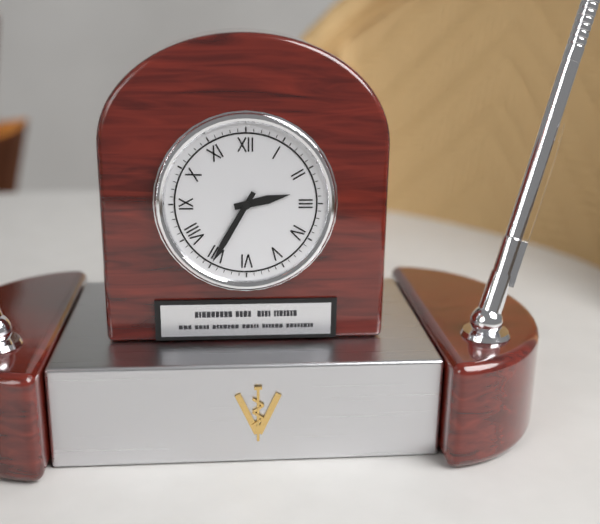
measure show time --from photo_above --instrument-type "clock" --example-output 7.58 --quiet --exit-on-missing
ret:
2.35
